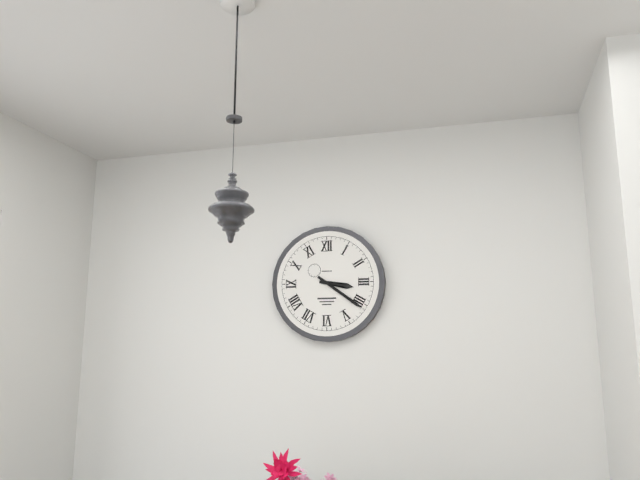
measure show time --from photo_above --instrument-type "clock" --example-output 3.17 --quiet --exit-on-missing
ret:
3.21
